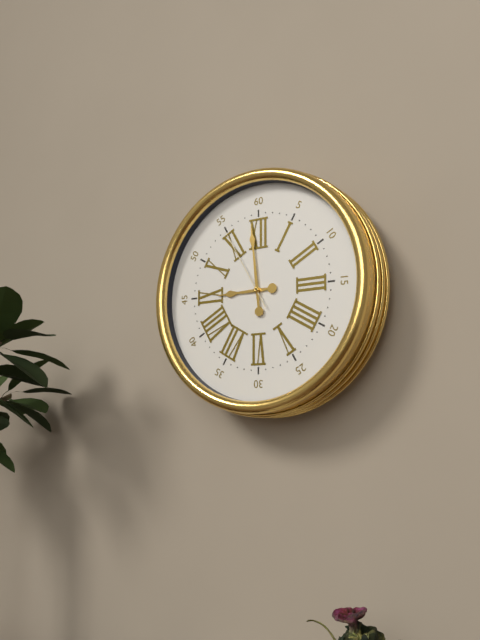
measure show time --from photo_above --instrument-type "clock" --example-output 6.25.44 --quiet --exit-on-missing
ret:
8.59.55
